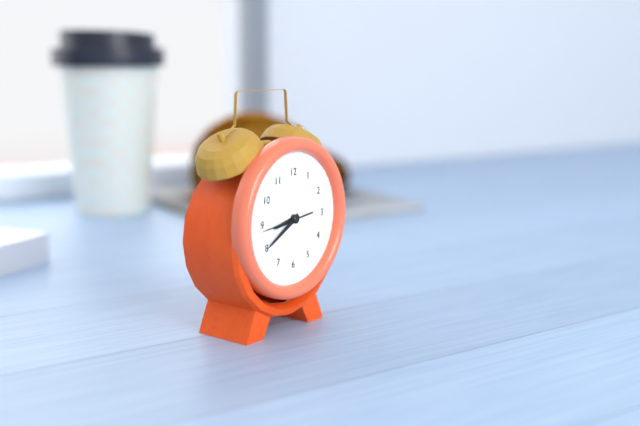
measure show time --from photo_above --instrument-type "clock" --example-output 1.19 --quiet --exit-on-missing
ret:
8.40
